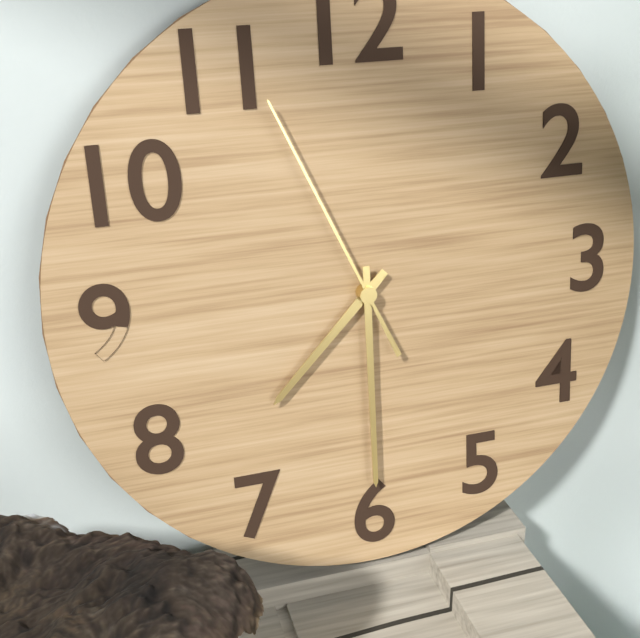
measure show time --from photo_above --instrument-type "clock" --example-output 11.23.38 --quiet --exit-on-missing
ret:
7.30.56
